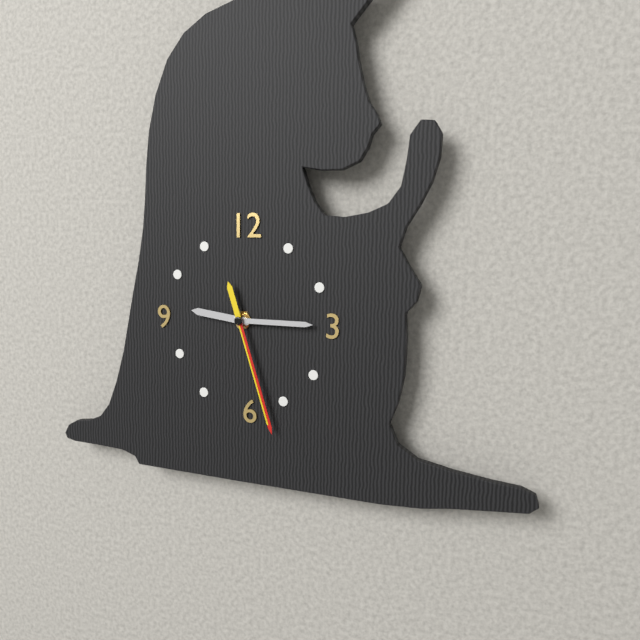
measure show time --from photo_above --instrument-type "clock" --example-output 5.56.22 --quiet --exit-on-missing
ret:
9.15.27
